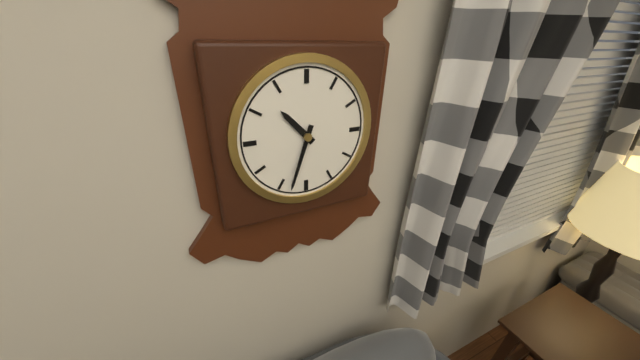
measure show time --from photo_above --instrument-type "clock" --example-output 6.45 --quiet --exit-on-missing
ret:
10.33
